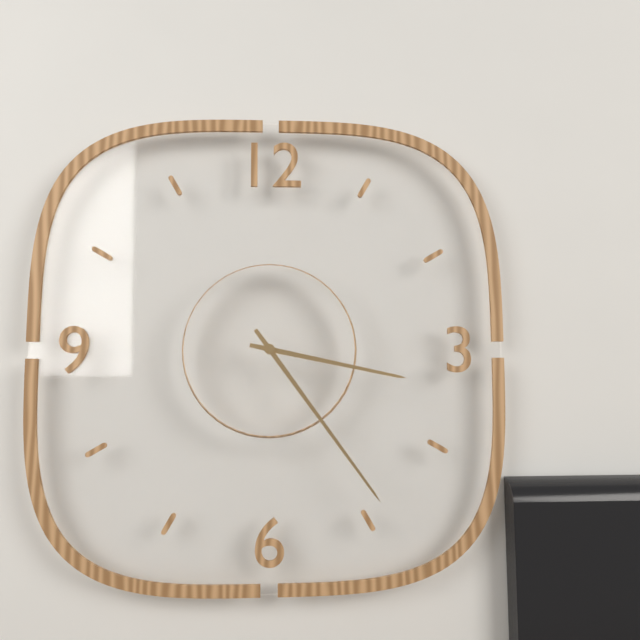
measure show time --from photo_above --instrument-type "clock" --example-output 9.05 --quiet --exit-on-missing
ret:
3.24
